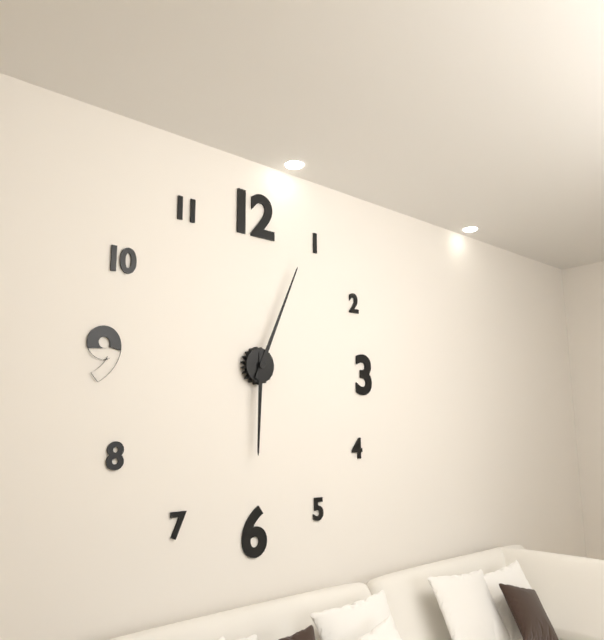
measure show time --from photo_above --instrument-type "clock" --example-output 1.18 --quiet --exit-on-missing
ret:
6.04
